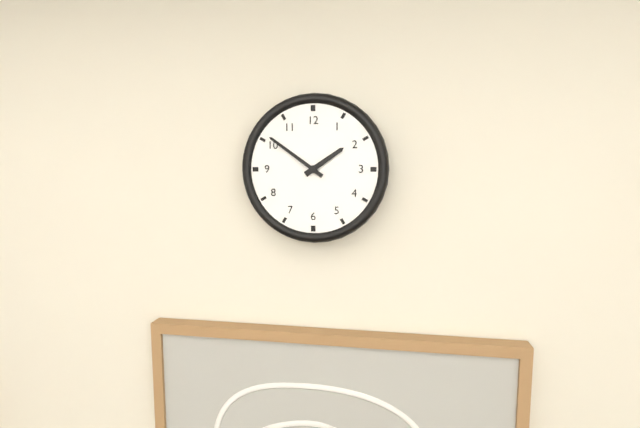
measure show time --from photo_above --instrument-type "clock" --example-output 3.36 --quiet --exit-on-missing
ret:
1.51
